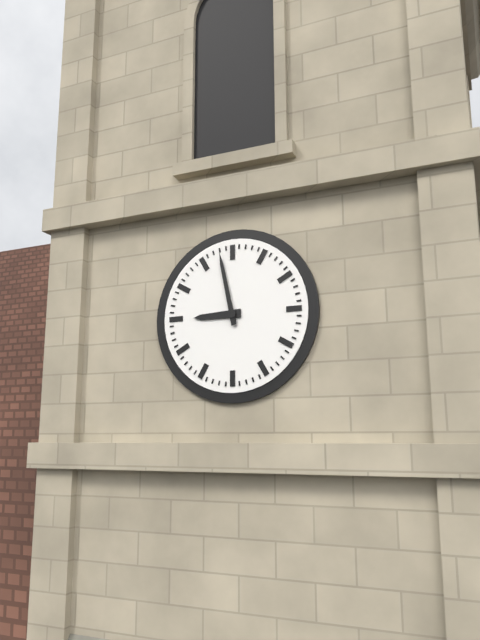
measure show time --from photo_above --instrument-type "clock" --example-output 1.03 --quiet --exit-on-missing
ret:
8.58
